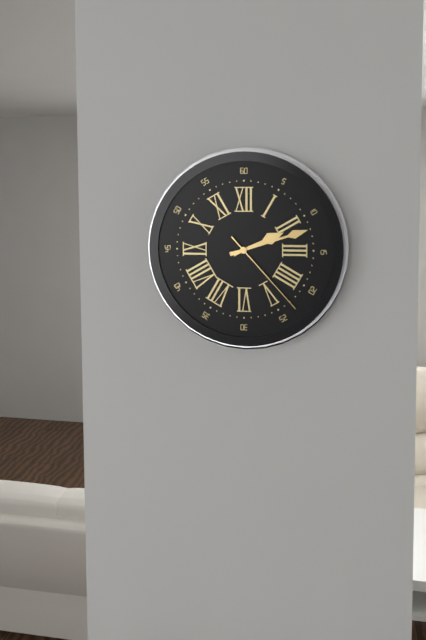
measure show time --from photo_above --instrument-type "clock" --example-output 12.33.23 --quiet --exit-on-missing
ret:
2.12.23
